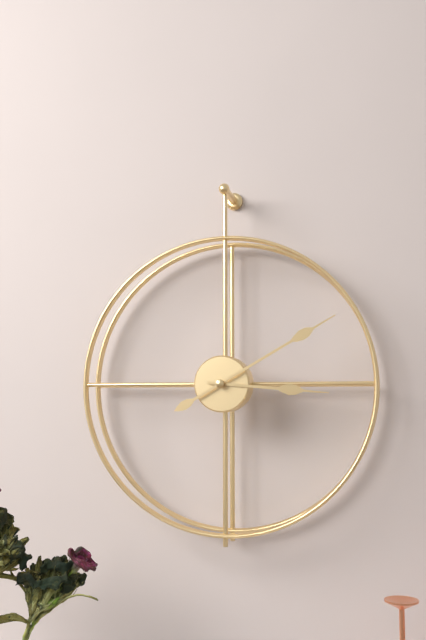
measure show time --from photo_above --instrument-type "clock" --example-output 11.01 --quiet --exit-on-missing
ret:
3.10
